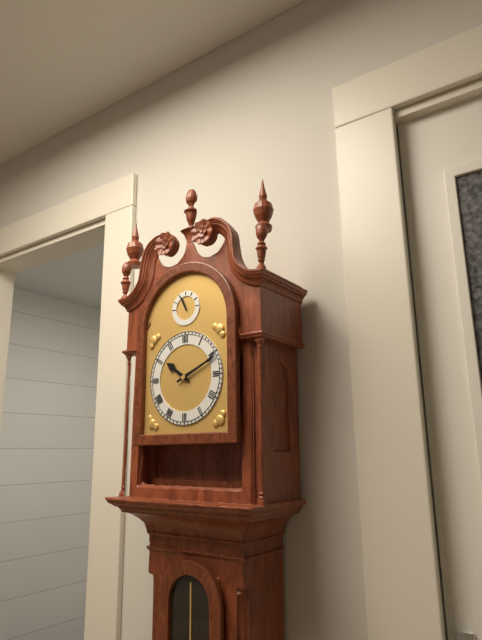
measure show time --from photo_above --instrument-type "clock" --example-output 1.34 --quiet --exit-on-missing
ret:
10.11
